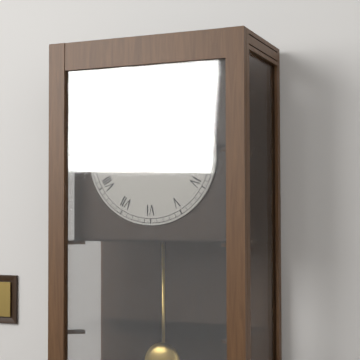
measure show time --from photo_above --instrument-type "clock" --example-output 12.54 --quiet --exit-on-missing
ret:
9.46
